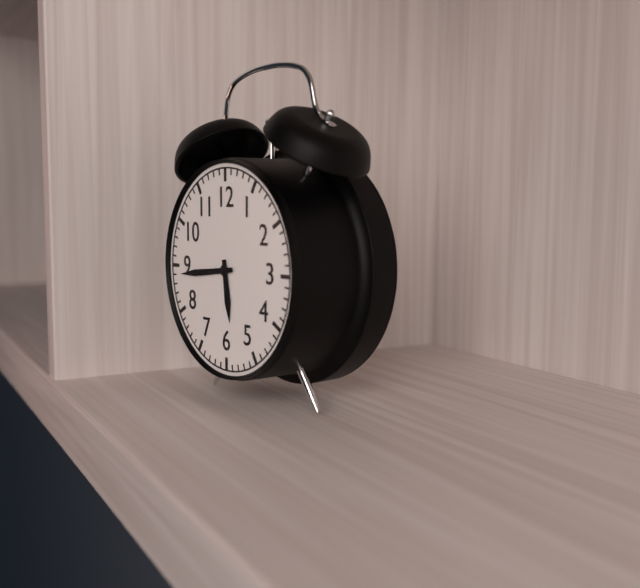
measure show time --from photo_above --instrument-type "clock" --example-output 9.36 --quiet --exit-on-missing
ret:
5.44
